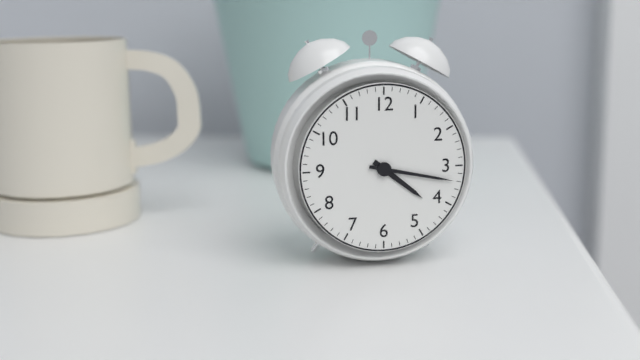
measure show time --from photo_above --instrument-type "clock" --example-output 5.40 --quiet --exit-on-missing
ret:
4.17
